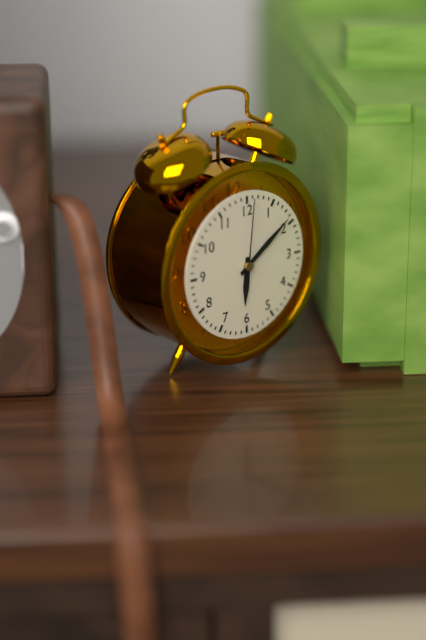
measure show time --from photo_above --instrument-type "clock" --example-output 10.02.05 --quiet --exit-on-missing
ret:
6.09.01
